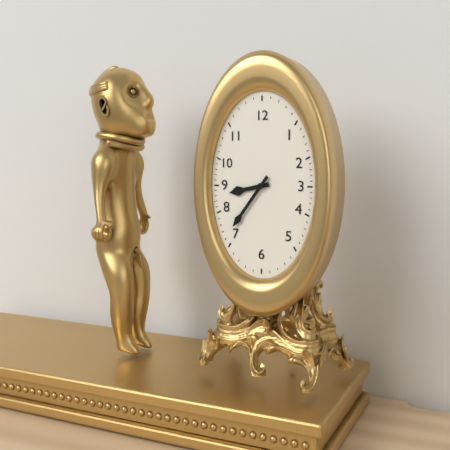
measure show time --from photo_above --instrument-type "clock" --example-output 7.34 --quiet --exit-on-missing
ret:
8.36
